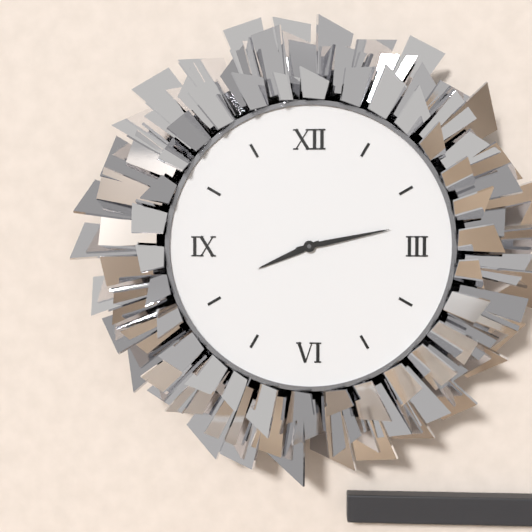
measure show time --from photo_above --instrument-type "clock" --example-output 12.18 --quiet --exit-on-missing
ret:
8.13
